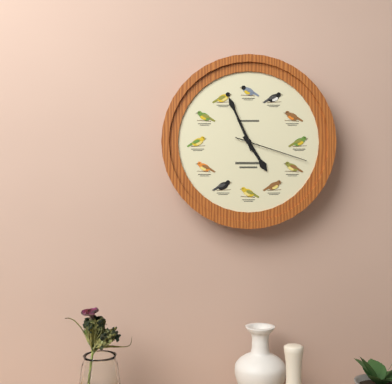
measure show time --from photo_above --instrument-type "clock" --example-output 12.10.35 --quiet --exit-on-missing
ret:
4.56.18
